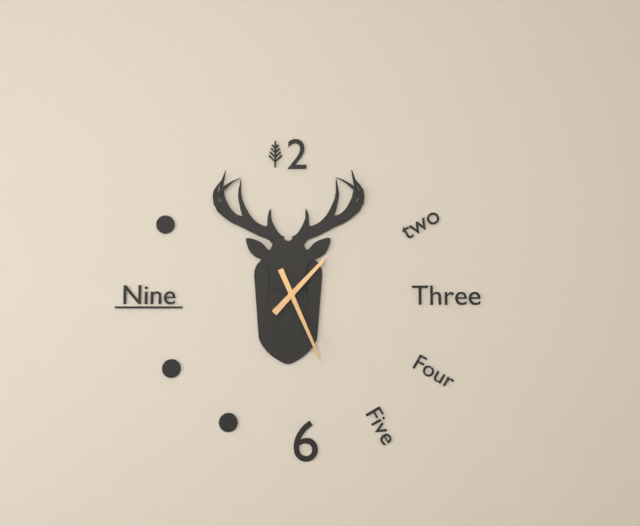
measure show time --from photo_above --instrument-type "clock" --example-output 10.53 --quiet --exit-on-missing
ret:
1.26
